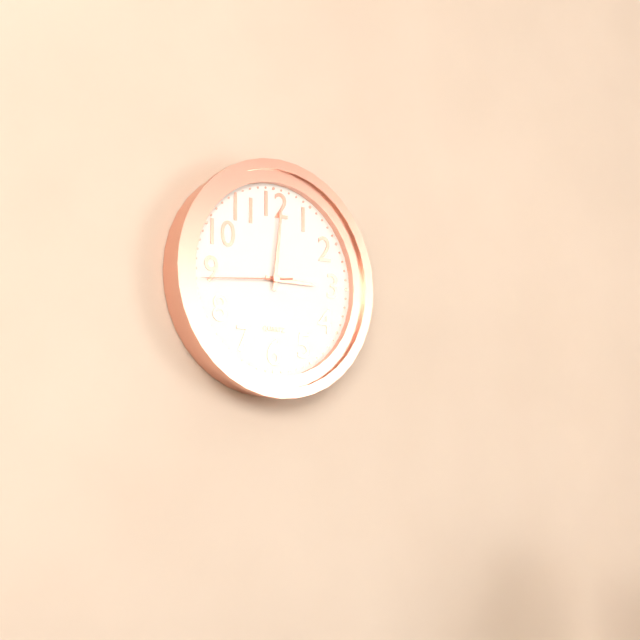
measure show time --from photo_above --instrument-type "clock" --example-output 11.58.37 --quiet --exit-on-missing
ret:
3.01.44
